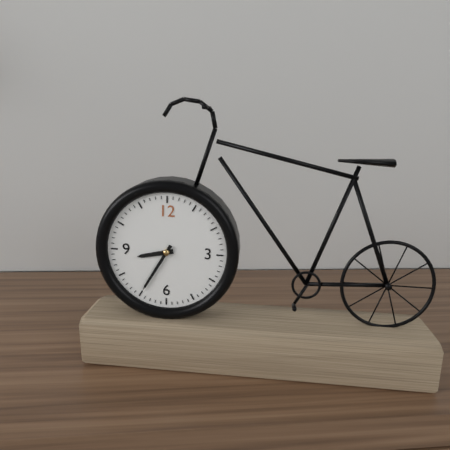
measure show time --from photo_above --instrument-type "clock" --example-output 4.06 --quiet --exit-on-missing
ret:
8.35
